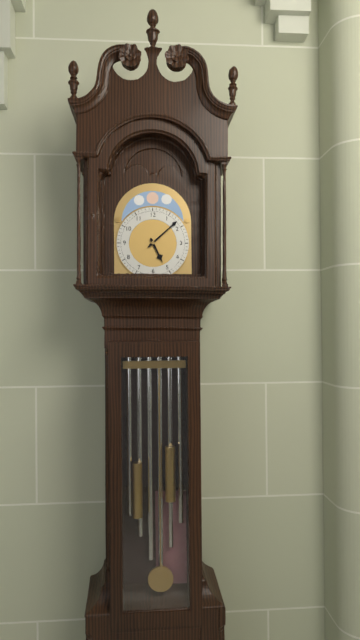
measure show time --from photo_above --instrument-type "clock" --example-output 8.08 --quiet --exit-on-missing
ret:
5.08
